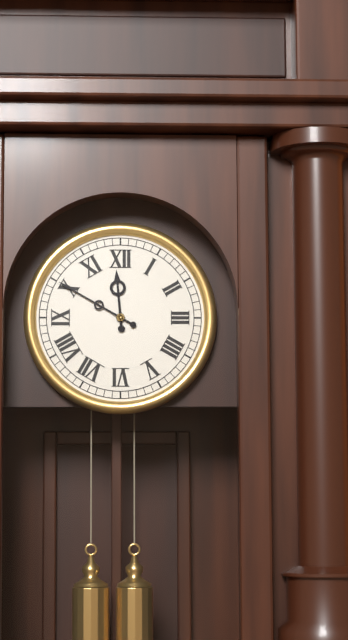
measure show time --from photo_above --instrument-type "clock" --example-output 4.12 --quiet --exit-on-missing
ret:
11.50
